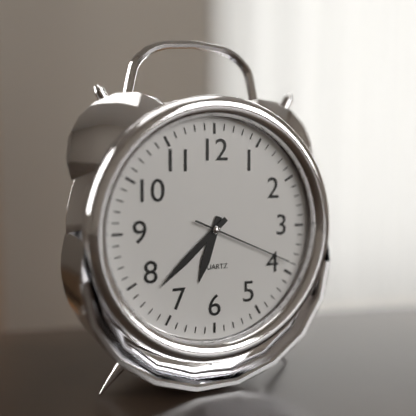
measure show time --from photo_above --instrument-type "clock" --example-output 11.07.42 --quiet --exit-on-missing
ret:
6.38.19
